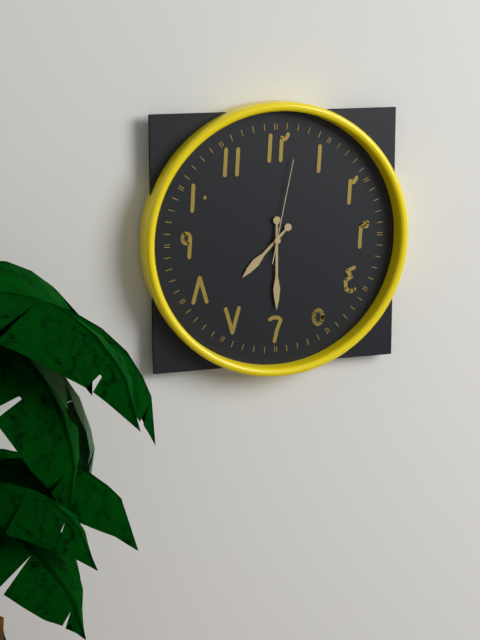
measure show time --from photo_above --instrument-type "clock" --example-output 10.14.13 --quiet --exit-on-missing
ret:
7.30.02
